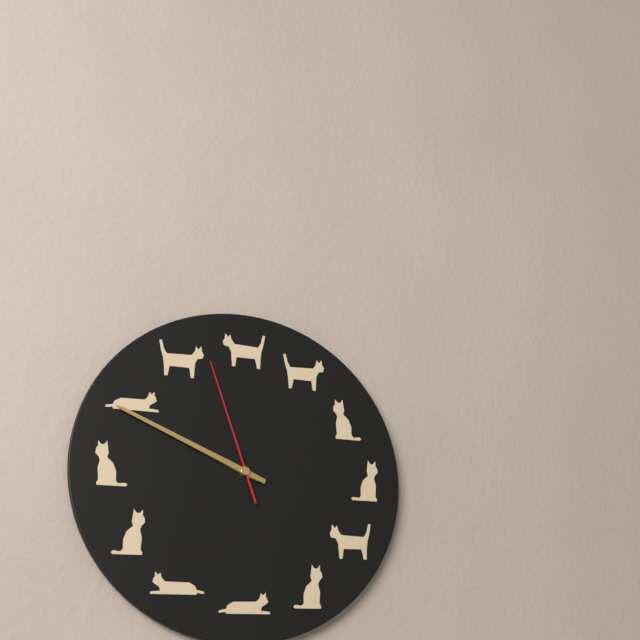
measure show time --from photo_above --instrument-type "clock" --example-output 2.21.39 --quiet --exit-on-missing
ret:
9.49.57
